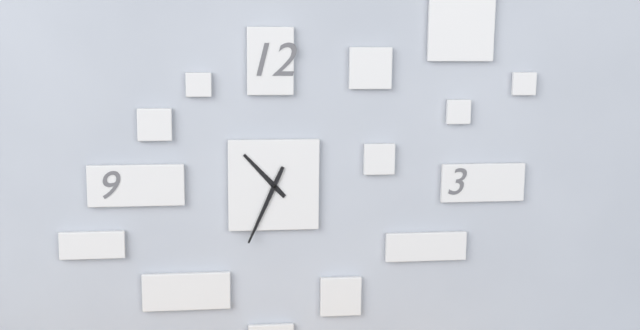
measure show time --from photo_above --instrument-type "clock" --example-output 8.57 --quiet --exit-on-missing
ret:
10.34
